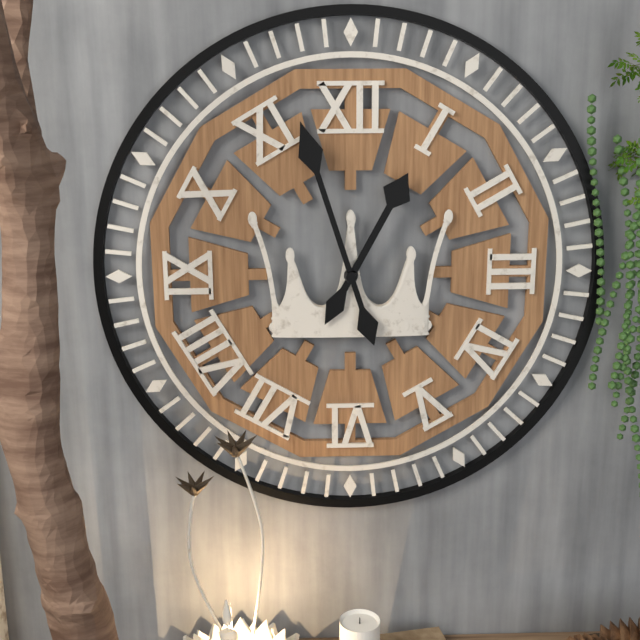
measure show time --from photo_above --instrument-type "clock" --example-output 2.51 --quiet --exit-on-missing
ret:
12.57
